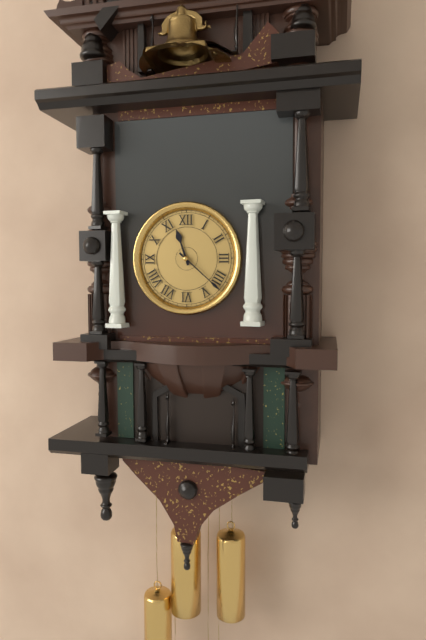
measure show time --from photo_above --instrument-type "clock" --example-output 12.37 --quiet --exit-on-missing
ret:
11.22
